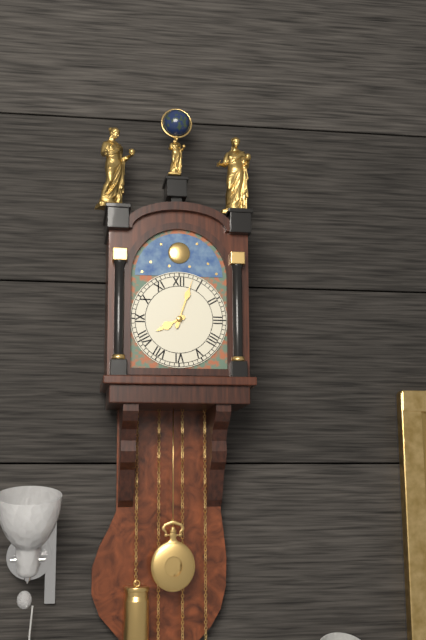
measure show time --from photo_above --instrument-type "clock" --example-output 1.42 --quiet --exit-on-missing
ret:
8.03
